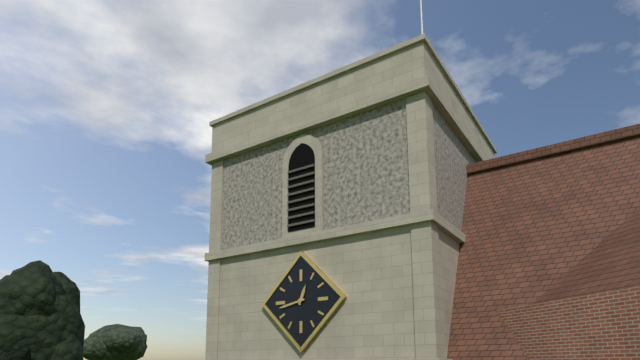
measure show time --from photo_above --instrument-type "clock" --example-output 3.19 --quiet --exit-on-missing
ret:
12.43
